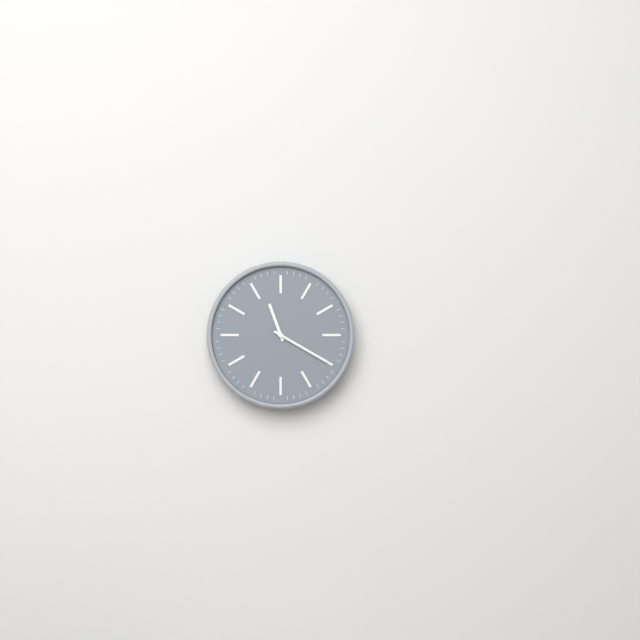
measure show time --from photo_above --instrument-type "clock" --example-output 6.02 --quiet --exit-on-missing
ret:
11.20
